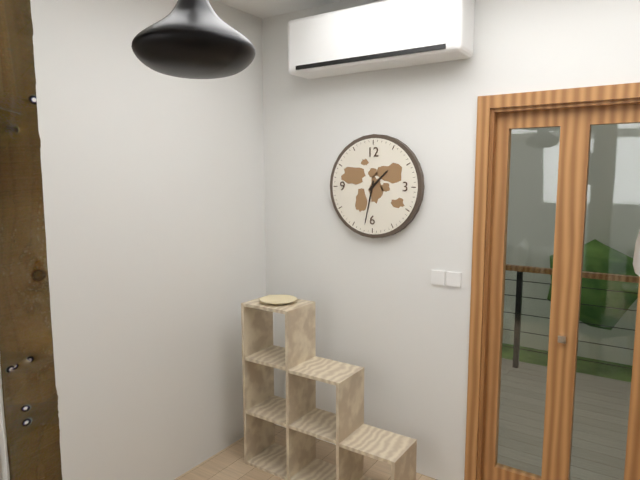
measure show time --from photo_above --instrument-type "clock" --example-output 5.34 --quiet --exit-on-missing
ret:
1.32
